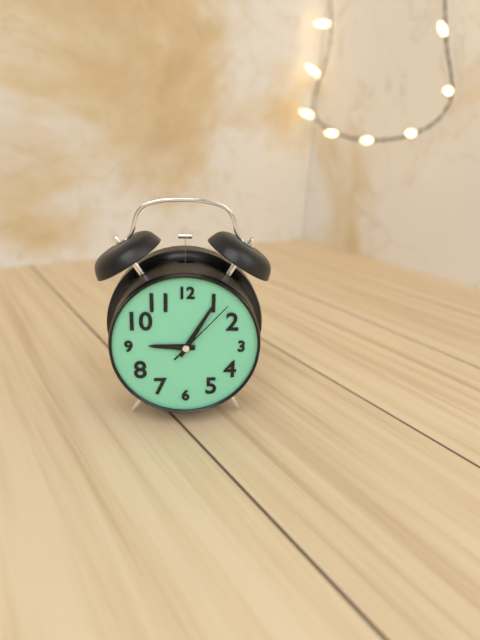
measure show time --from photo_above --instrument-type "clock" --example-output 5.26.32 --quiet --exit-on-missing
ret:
9.05.07
